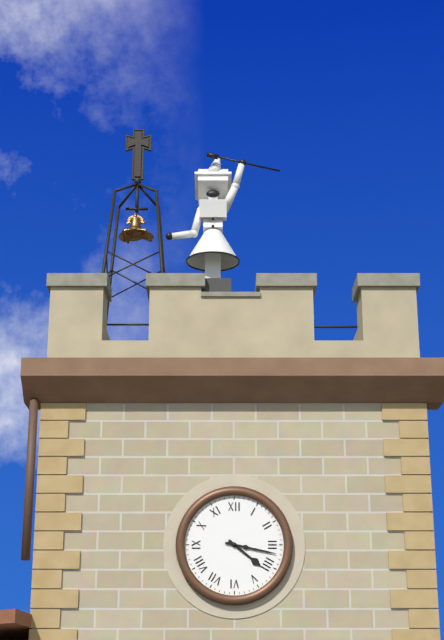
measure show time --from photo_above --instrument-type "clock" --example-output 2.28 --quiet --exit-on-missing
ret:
4.17
